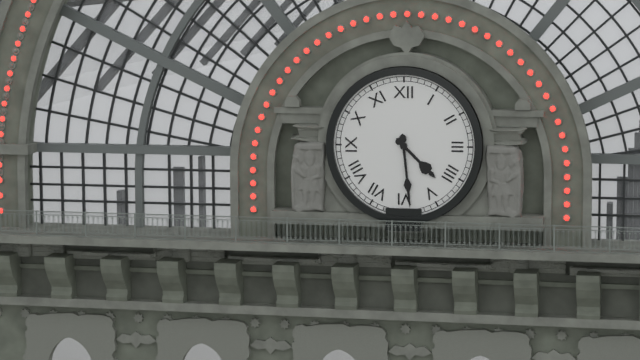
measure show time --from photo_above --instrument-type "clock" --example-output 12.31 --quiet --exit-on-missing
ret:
4.29
